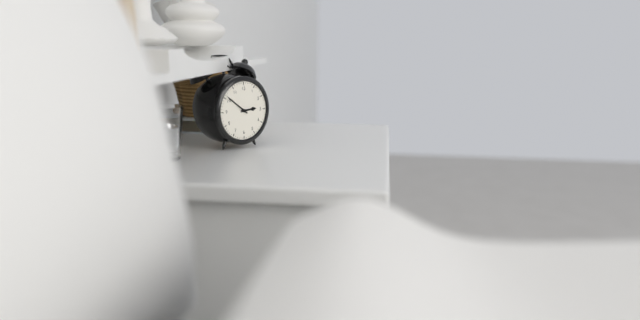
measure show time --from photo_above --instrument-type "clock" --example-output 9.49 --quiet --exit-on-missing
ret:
2.51
